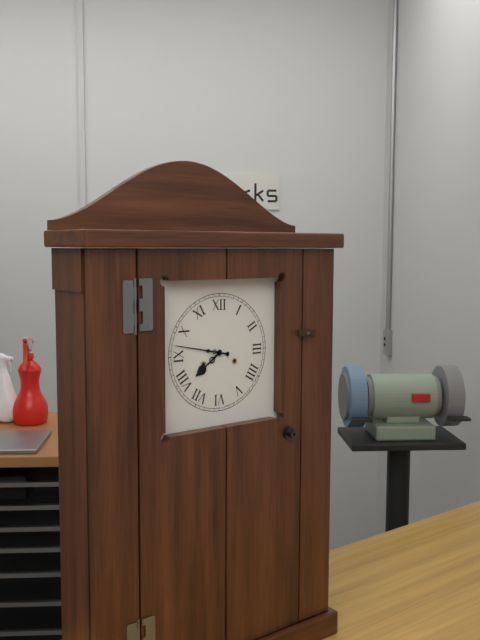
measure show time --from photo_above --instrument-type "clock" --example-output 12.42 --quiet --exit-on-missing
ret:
7.47
